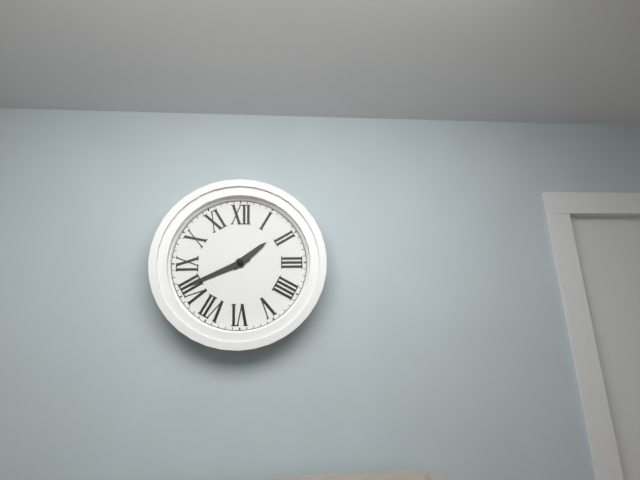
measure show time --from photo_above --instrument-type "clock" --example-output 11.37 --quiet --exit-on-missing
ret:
1.41
